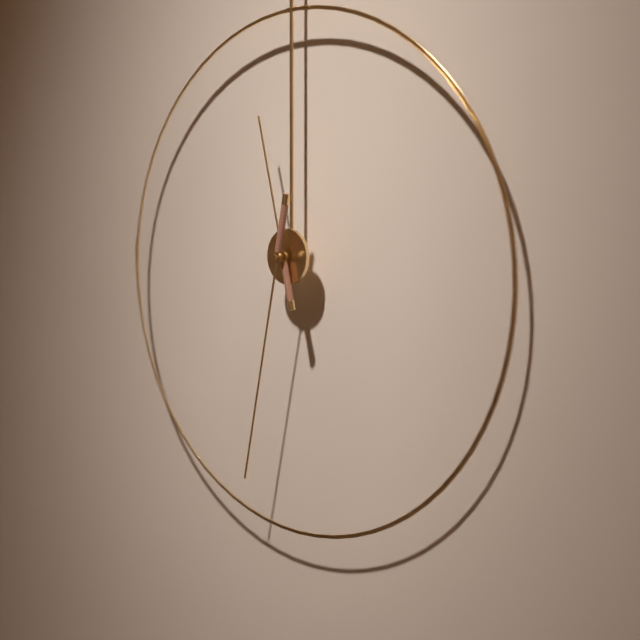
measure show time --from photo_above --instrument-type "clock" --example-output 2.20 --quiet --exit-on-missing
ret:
11.32
